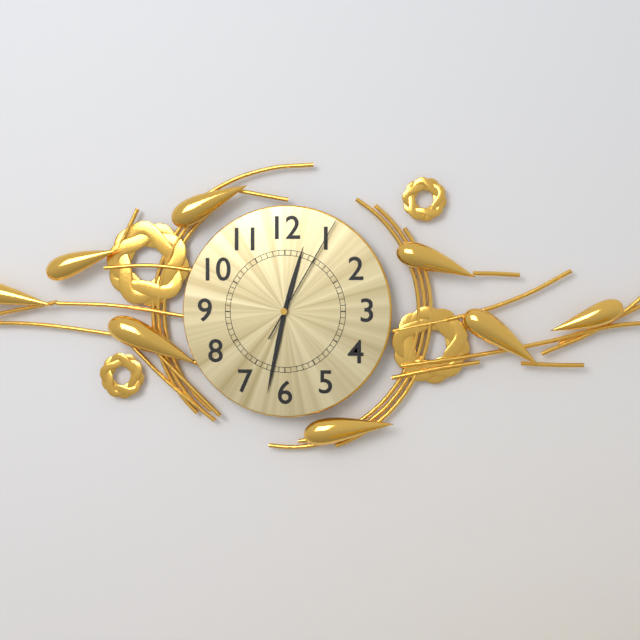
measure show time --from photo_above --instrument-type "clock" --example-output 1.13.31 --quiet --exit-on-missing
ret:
12.32.05
